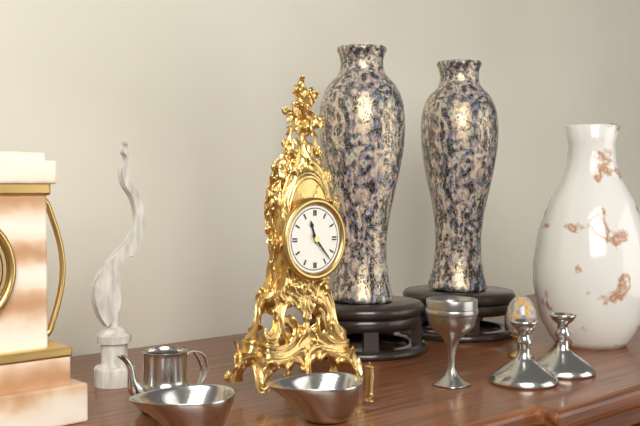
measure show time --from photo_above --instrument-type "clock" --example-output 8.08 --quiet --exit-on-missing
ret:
11.23
